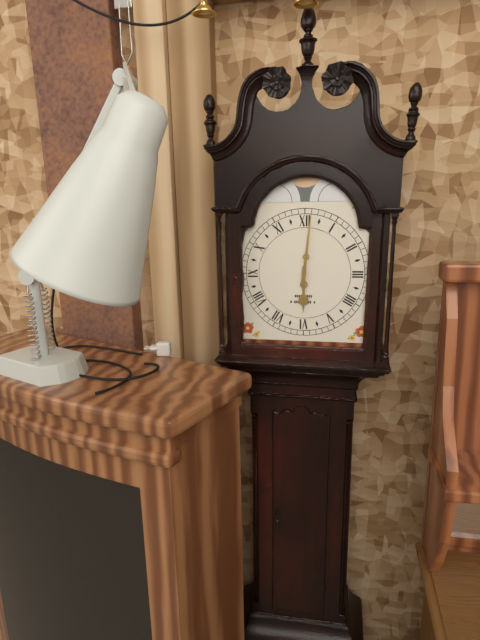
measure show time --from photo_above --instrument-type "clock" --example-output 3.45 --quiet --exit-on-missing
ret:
6.01
